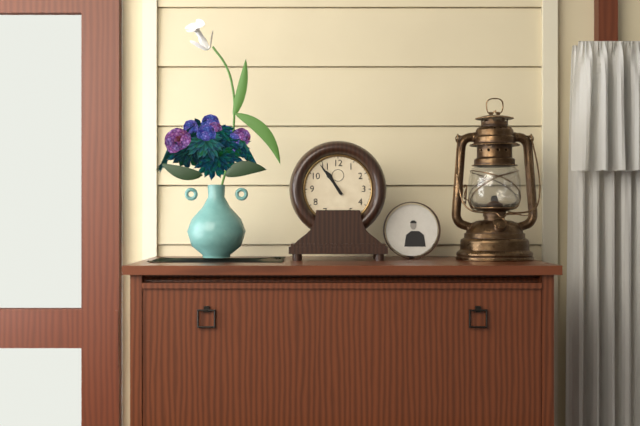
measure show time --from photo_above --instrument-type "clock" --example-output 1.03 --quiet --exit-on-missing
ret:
10.54
